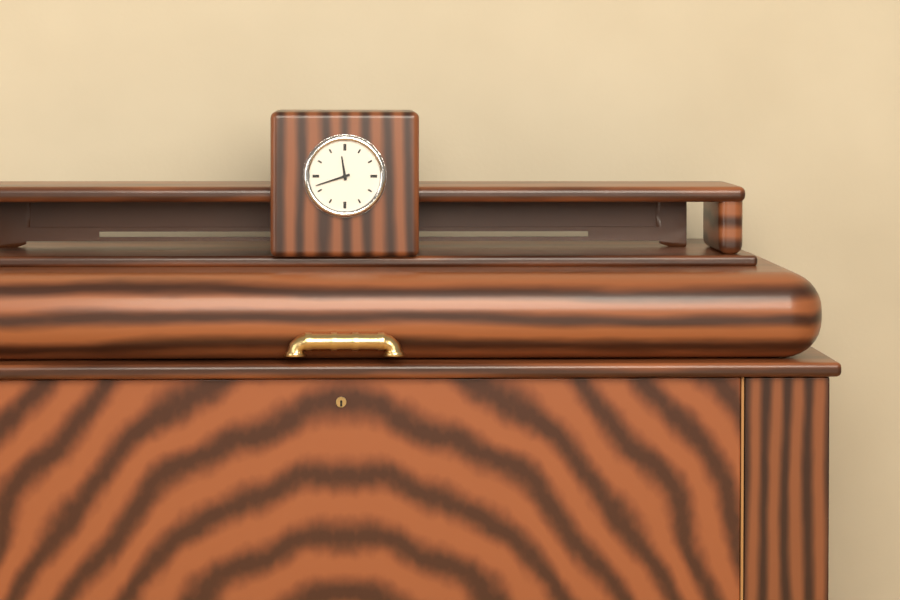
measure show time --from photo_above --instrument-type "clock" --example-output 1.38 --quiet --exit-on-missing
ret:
11.42
